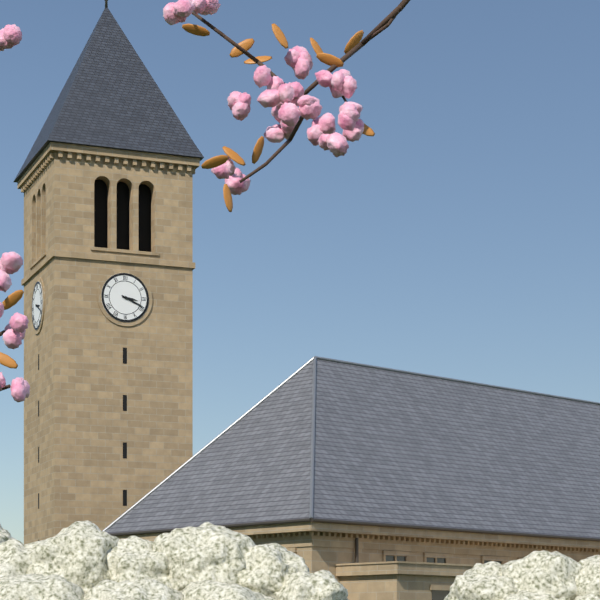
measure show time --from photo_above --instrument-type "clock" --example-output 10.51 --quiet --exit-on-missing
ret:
3.19
